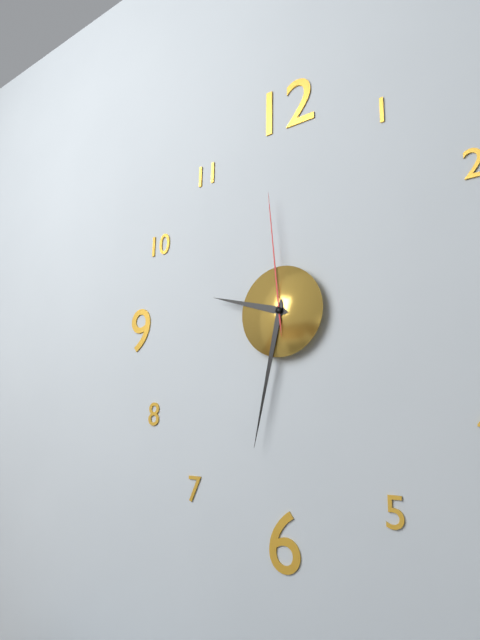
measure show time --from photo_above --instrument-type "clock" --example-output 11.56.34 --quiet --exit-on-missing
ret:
9.32.59
